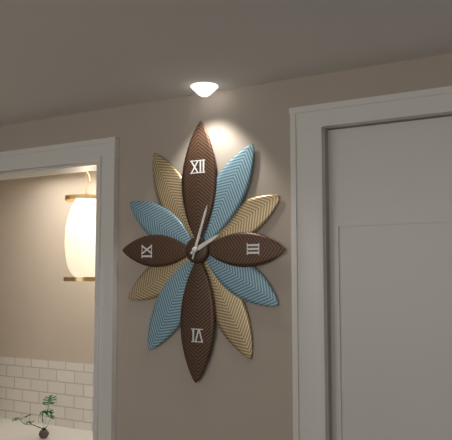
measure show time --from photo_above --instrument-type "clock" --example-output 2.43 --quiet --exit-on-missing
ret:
2.03
